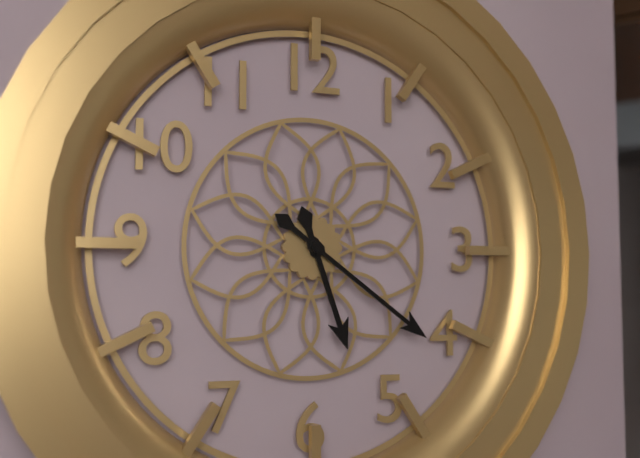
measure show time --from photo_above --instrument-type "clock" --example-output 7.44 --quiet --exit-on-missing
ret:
5.21
